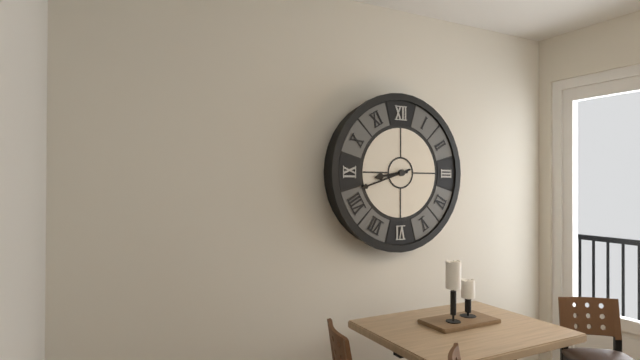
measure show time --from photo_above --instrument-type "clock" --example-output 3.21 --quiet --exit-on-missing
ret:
8.42
